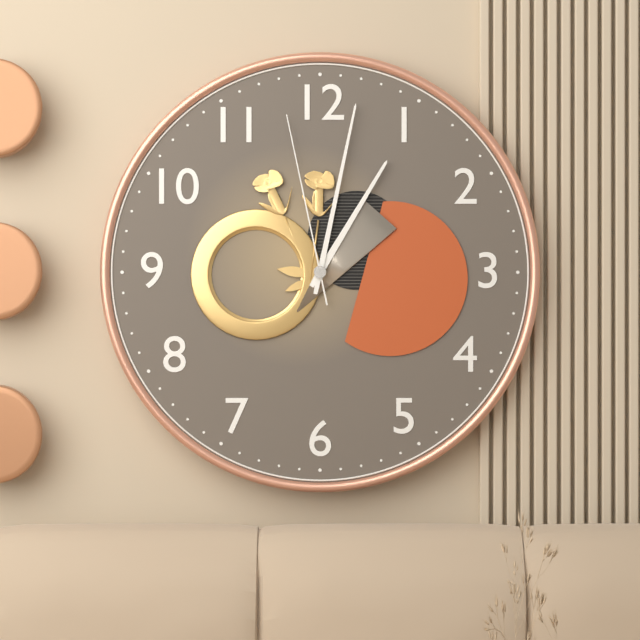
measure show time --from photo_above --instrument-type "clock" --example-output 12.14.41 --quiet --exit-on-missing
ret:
1.02.58
